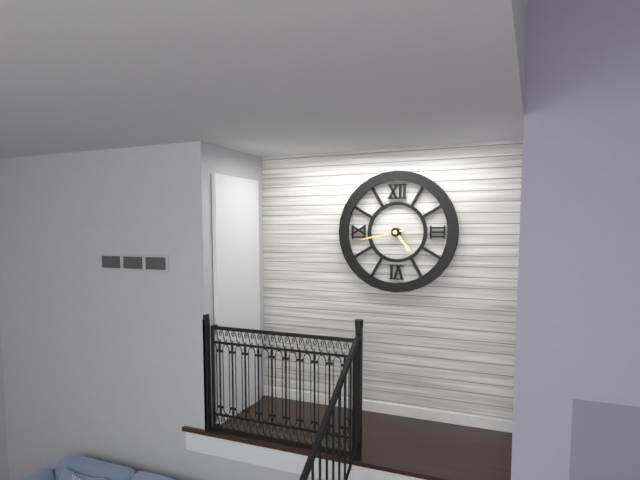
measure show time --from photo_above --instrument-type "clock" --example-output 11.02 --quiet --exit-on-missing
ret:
4.43
